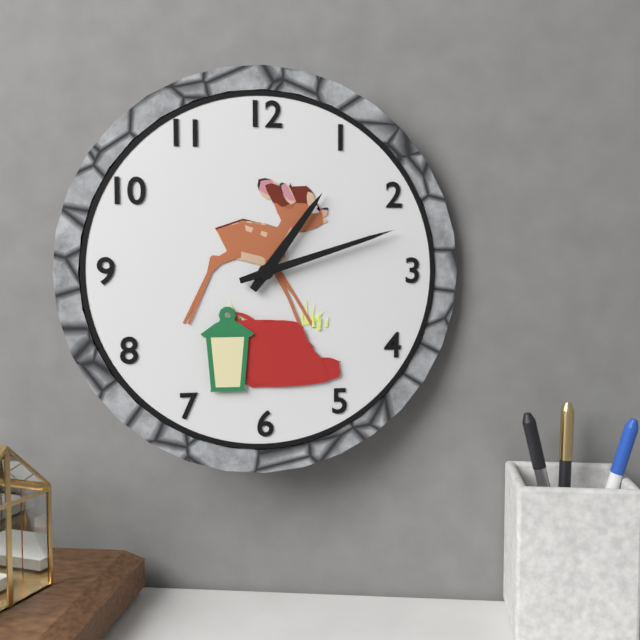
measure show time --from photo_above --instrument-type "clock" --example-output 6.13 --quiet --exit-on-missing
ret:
1.12
